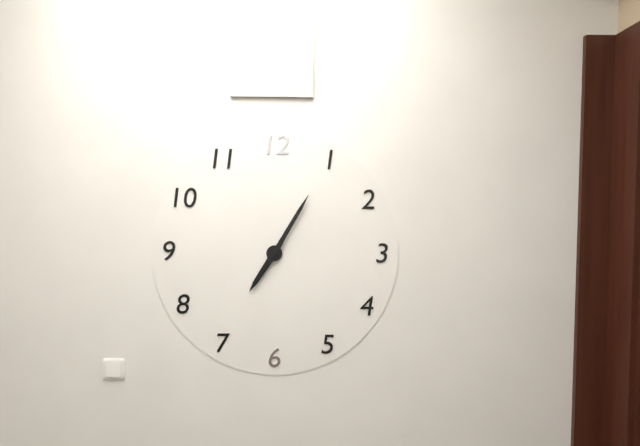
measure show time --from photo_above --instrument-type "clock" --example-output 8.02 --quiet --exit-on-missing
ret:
7.05
